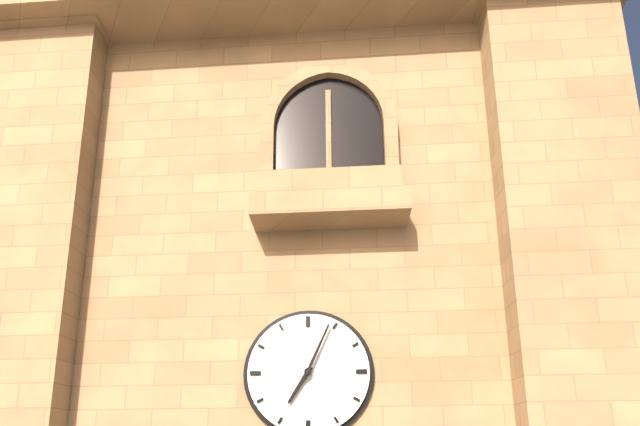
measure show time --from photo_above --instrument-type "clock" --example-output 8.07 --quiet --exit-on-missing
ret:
7.04
